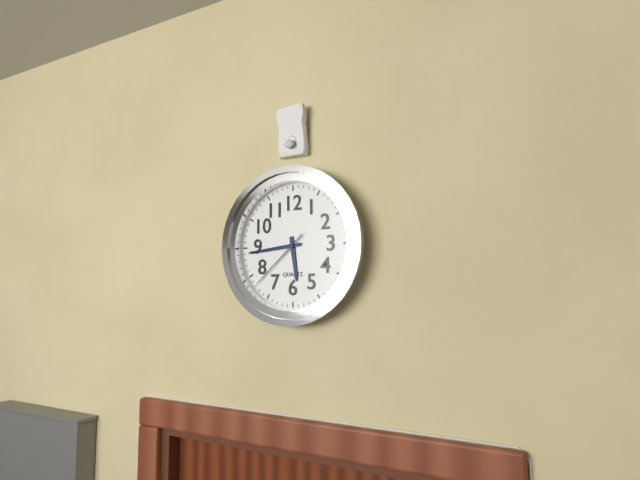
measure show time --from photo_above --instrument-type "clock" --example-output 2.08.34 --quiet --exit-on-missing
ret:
5.44.38
